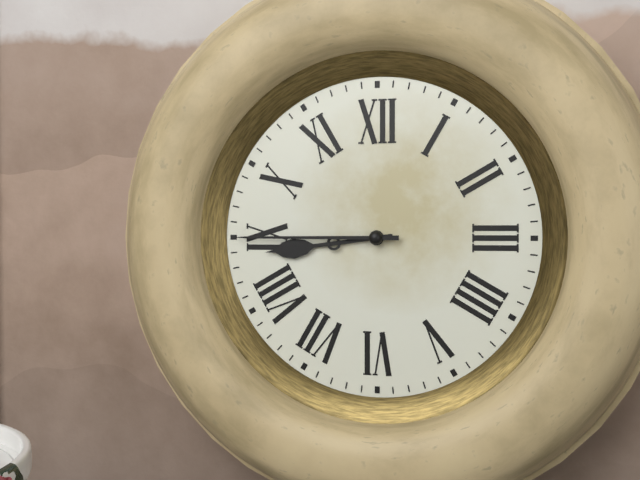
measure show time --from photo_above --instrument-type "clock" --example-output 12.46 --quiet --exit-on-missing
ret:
8.45
